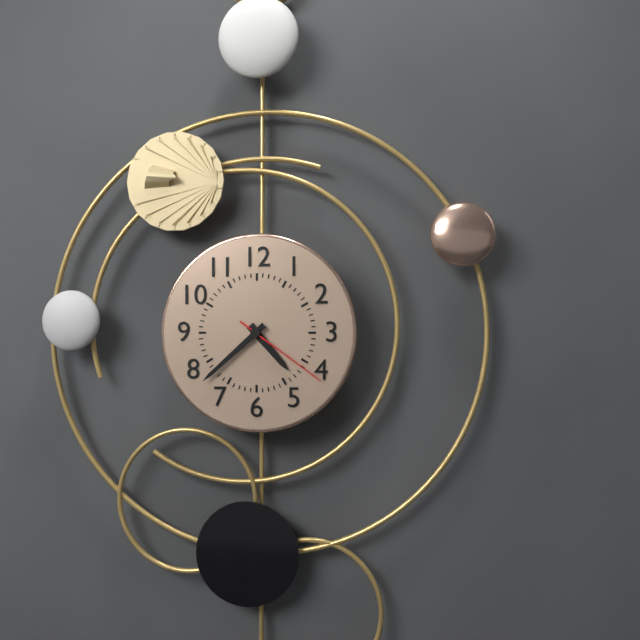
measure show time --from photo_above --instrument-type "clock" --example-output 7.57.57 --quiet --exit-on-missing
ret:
4.38.21
